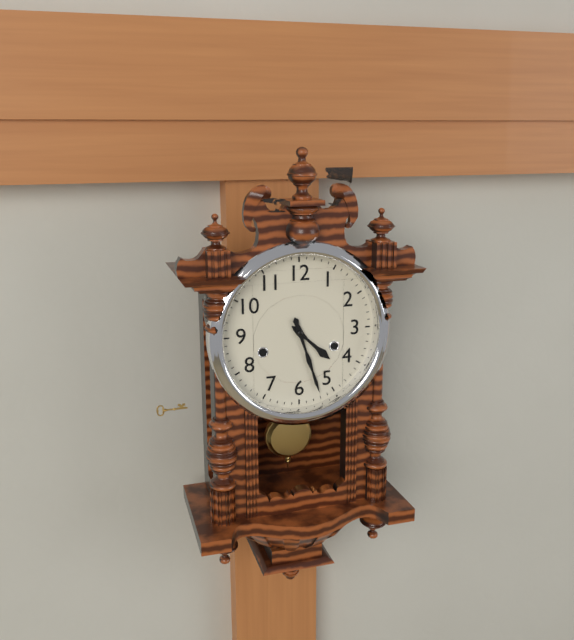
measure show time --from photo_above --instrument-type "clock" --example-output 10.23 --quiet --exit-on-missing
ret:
4.27
